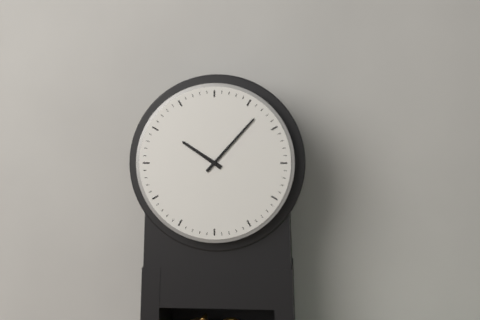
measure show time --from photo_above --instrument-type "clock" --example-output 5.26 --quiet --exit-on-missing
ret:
10.07
